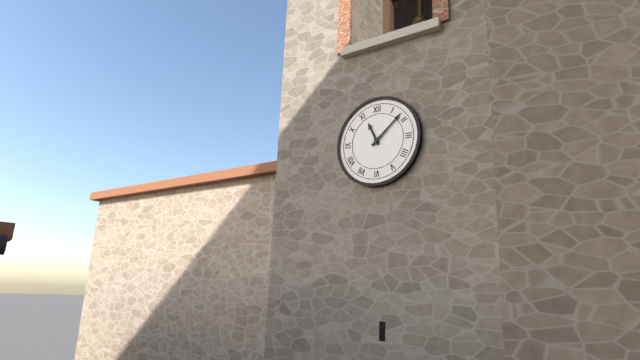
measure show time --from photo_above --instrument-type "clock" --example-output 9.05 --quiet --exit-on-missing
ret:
11.08
